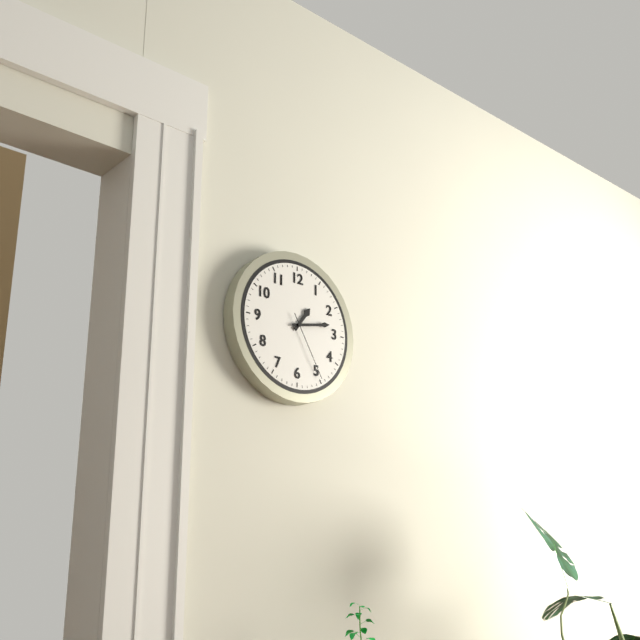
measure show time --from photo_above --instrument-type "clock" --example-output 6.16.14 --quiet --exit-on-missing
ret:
1.13.25
